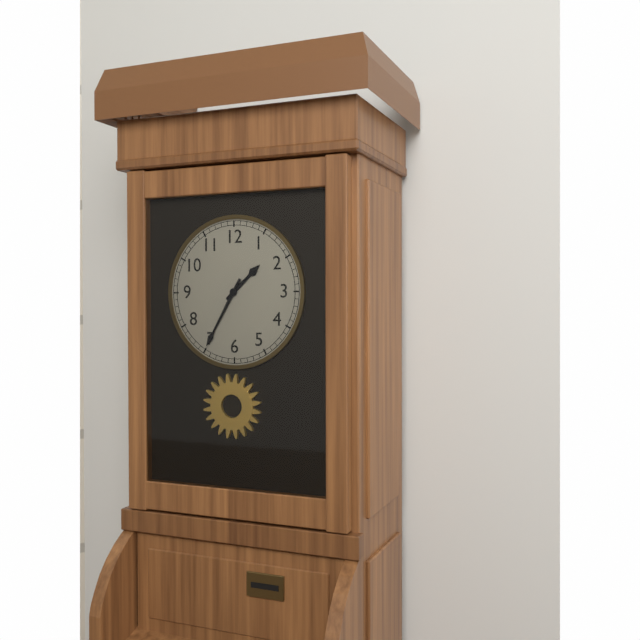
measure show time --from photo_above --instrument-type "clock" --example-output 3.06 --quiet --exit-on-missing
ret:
1.35
